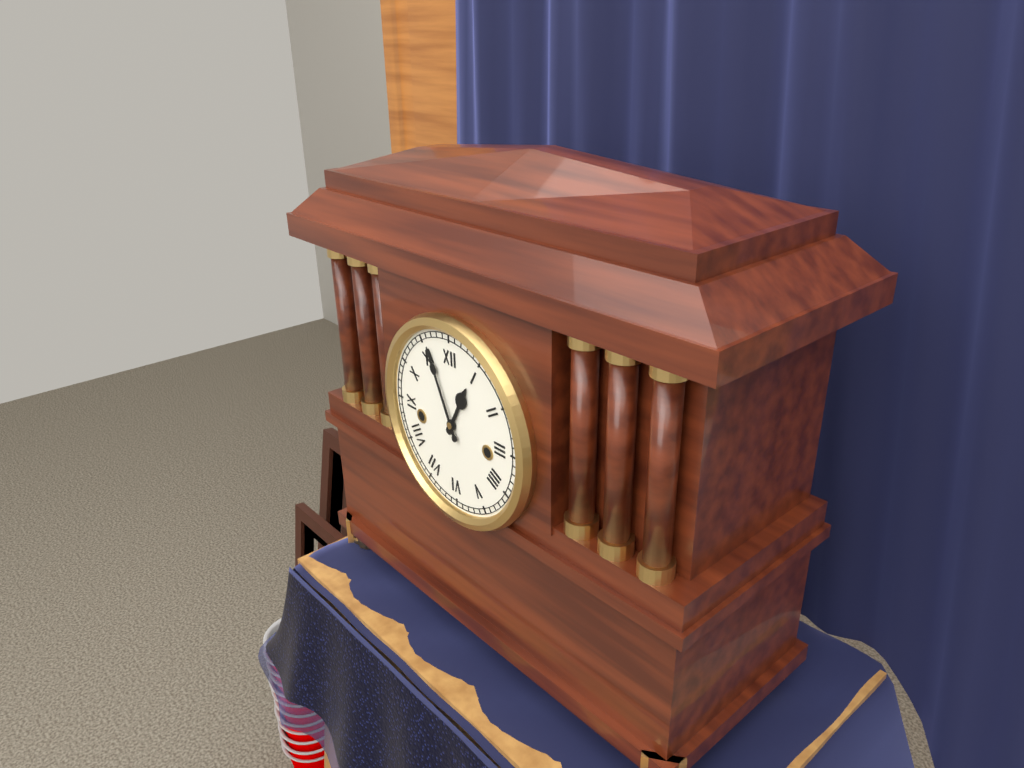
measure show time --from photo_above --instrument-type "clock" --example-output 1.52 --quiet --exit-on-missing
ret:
12.56
